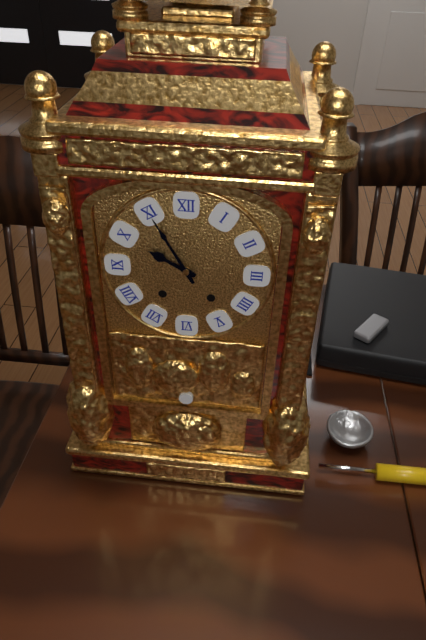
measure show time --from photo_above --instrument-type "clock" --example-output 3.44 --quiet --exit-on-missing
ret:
9.55
